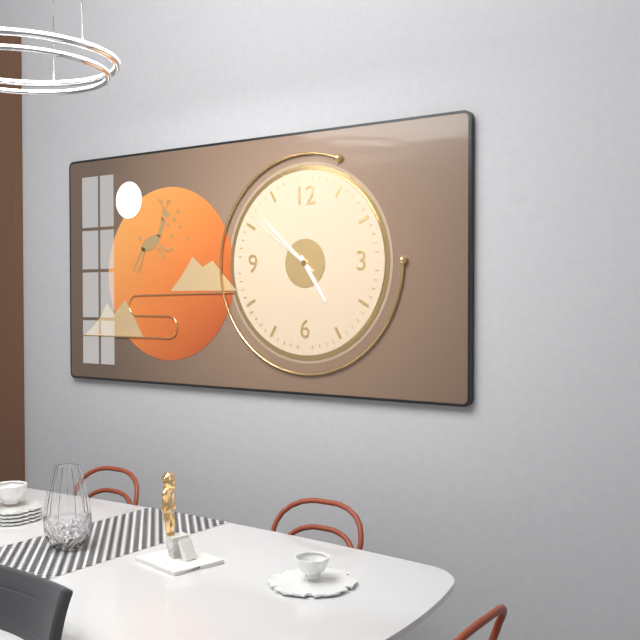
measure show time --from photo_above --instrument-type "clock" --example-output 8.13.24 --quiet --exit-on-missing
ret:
4.52.51
